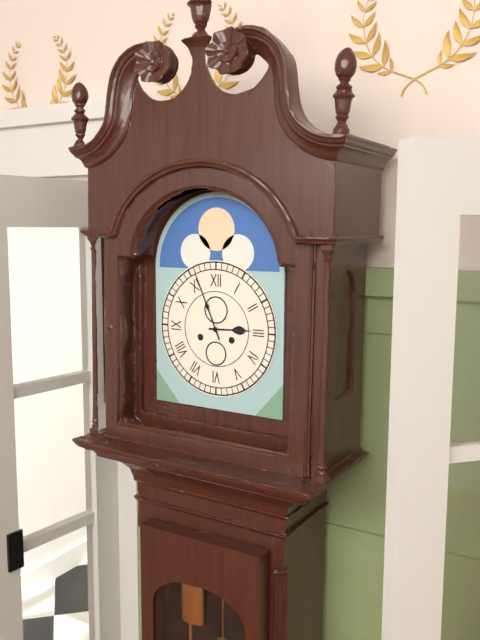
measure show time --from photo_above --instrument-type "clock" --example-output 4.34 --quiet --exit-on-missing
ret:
2.56
